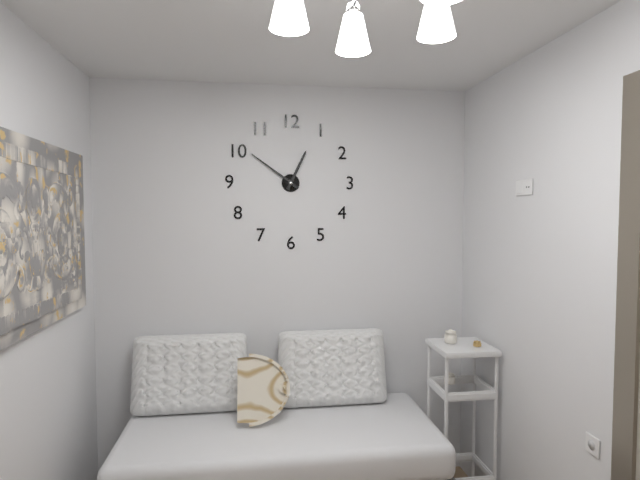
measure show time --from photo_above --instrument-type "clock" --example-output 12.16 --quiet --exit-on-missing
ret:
12.51
